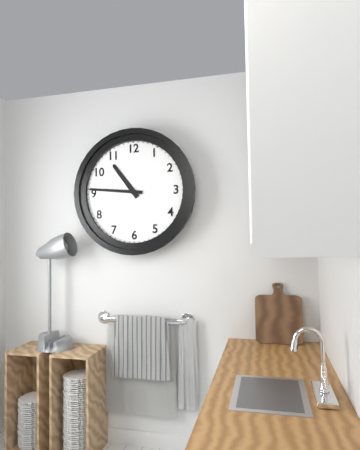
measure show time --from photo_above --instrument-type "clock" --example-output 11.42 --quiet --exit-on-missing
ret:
10.46
